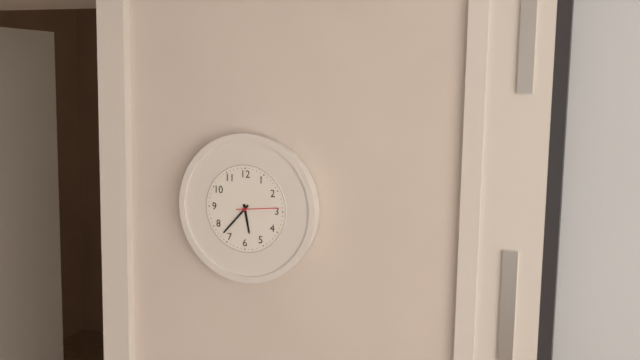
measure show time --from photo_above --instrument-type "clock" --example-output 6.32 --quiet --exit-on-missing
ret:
5.37
